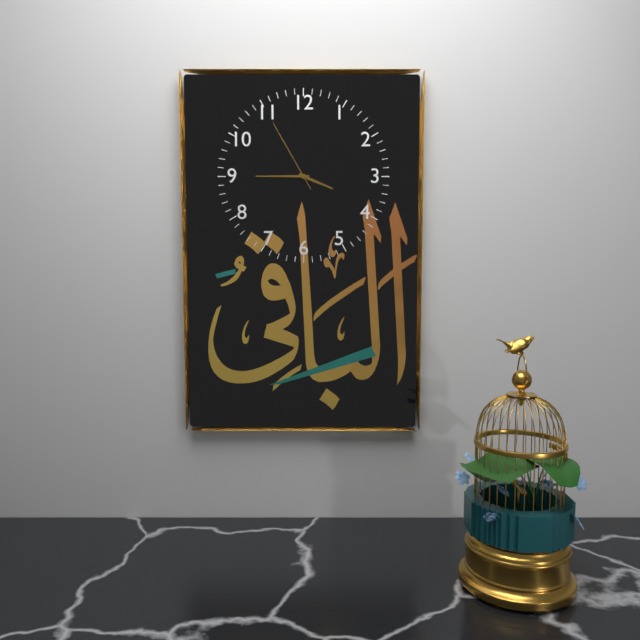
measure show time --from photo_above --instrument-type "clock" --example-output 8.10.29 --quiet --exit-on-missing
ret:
3.45.55
